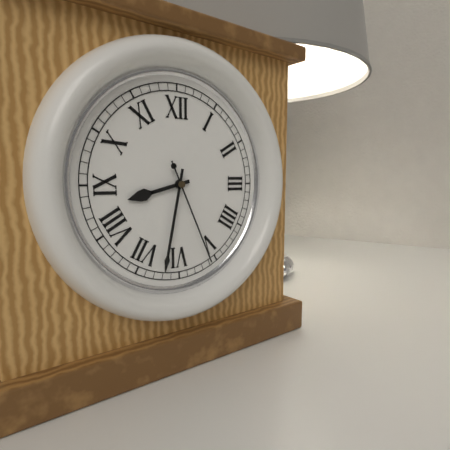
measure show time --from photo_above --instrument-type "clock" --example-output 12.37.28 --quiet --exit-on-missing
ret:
8.32.26
